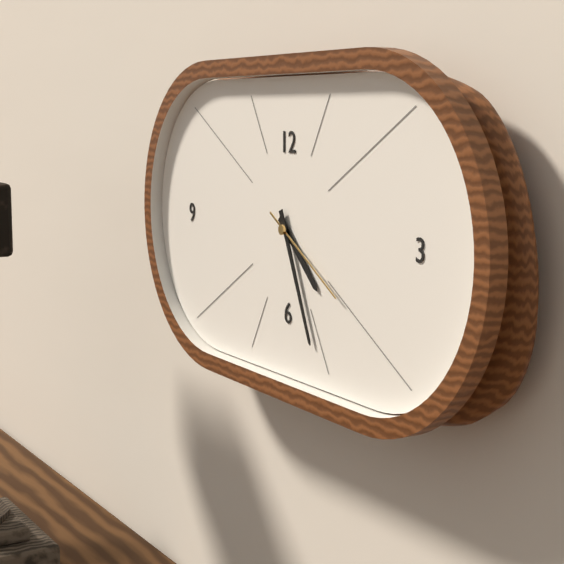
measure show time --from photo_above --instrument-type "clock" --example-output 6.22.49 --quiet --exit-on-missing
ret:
4.26.20
